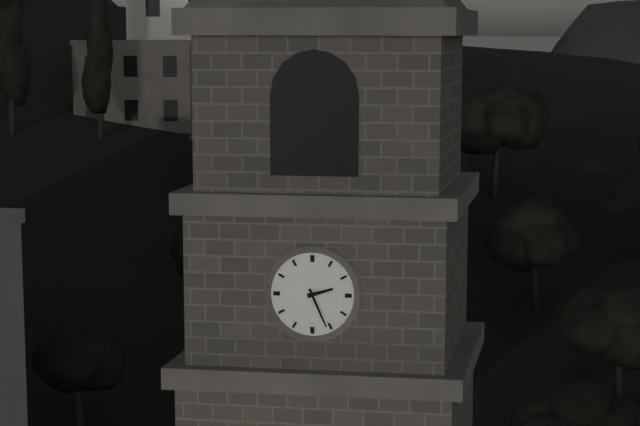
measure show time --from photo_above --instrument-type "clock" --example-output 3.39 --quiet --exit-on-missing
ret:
2.26
